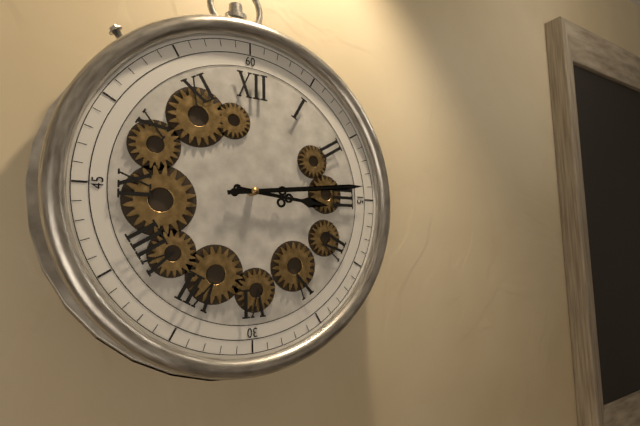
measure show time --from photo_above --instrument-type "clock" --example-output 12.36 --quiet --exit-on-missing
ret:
3.14
